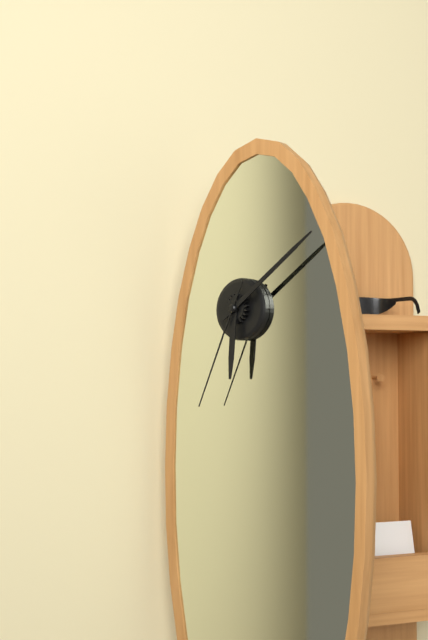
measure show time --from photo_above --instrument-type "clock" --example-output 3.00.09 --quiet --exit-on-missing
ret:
6.09.34
